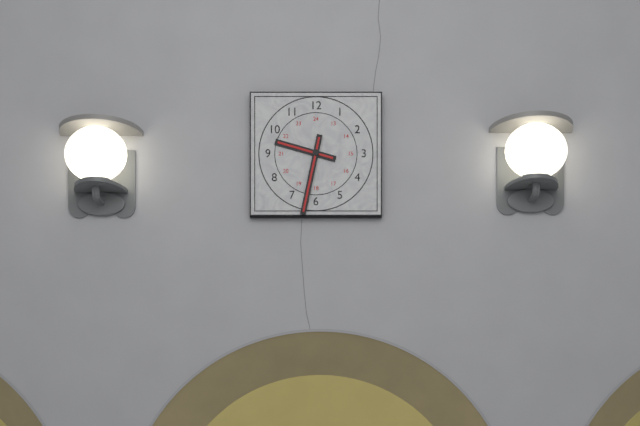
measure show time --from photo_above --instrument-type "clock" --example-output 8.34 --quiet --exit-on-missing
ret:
9.32
